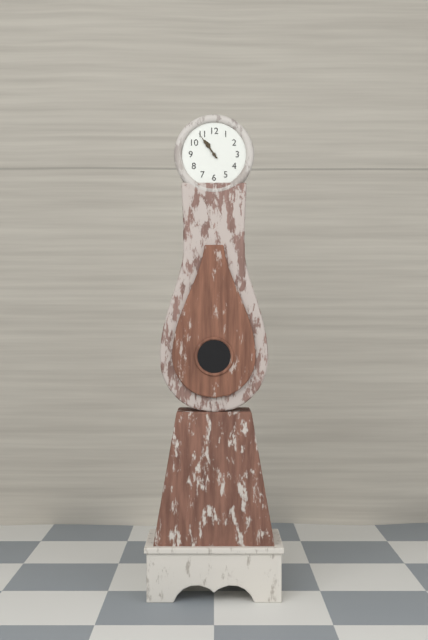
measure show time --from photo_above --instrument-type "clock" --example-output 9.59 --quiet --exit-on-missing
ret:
10.54
